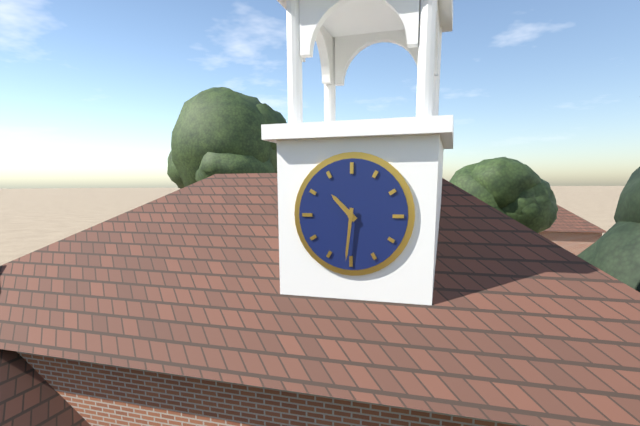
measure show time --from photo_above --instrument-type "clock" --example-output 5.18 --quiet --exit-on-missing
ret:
10.31
